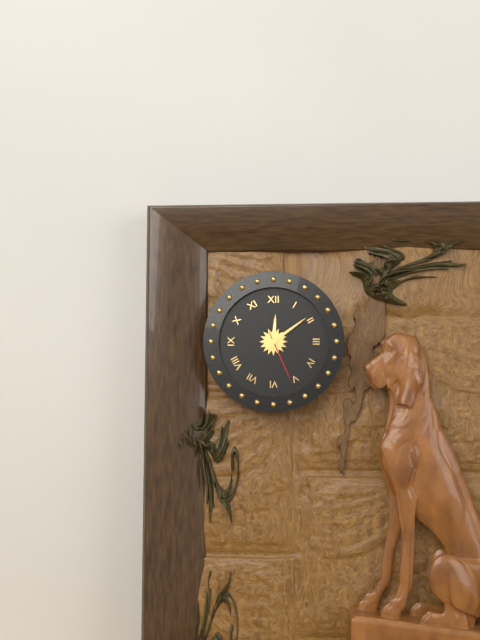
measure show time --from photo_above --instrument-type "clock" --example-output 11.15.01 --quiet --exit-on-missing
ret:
12.09.26
